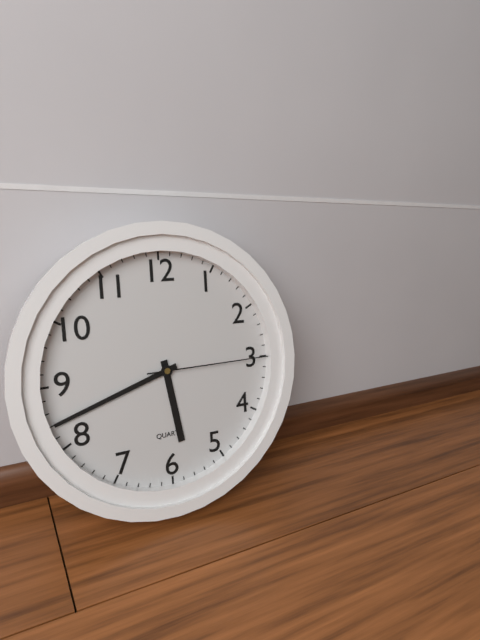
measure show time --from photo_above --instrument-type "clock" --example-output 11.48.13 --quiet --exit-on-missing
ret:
5.42.15
